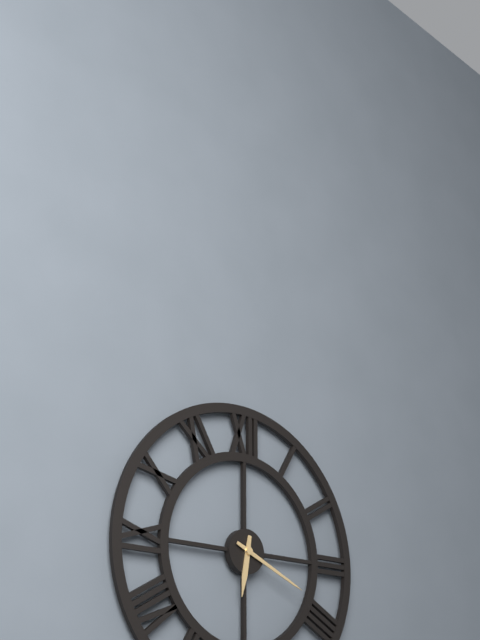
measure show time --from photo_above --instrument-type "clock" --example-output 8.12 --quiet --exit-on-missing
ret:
6.19
